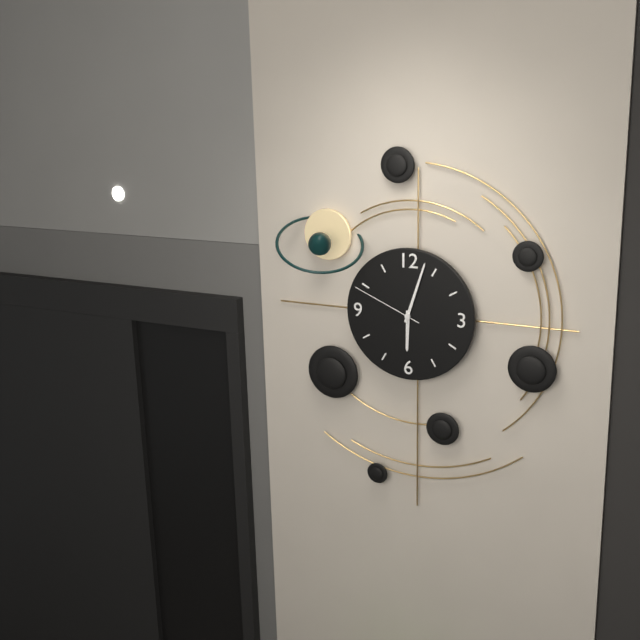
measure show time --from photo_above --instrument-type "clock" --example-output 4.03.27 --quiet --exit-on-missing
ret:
6.03.49
